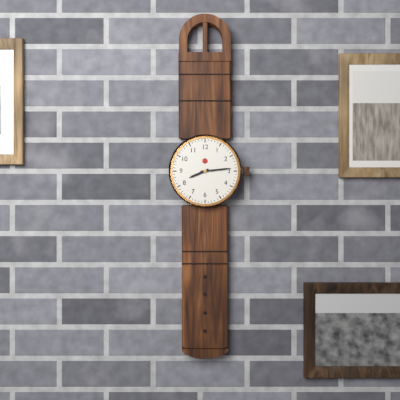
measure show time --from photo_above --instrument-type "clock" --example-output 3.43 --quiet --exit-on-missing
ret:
8.14
